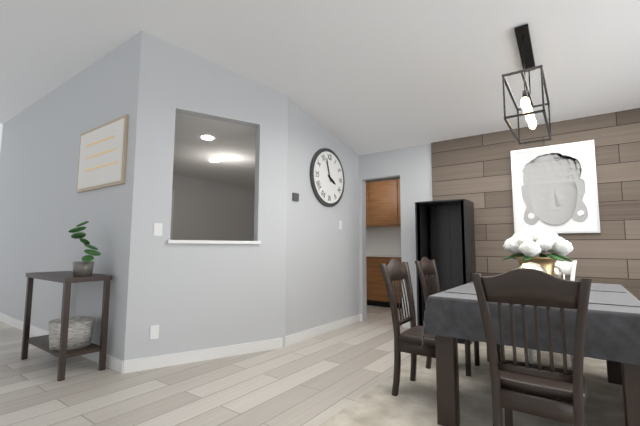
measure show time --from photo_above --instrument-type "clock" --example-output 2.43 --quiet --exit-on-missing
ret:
3.57
